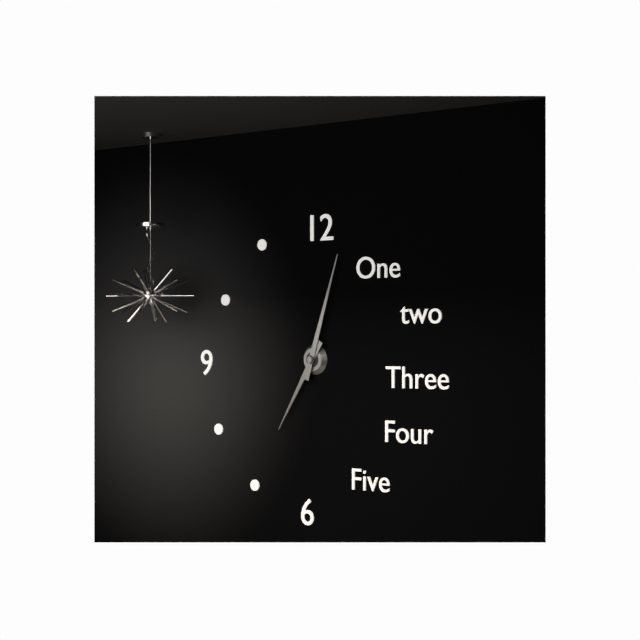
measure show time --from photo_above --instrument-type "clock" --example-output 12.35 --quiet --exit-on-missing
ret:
7.03
